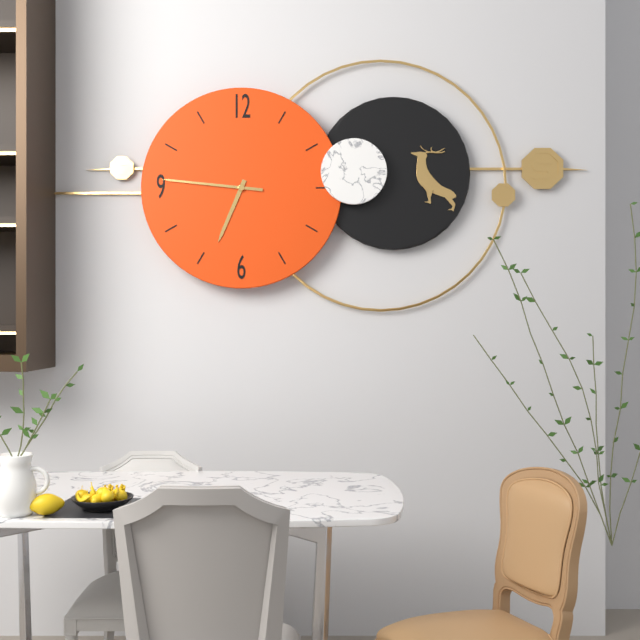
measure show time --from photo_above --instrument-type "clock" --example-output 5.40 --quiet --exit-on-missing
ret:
6.46
